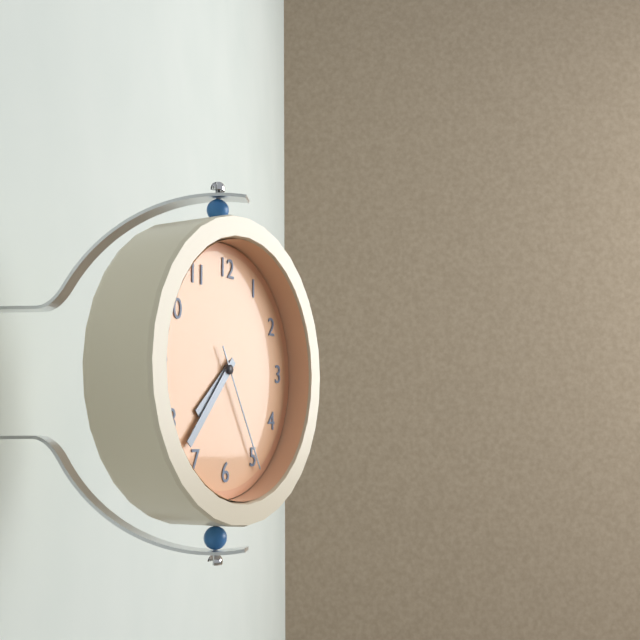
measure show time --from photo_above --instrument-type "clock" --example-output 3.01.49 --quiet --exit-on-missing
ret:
7.37.25
